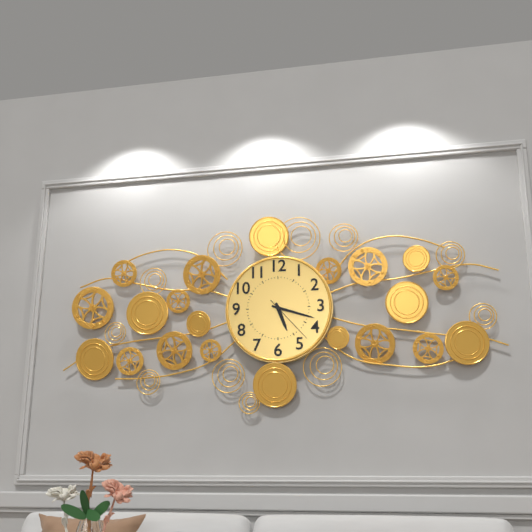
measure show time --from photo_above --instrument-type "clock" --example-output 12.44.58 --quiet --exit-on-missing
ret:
5.18.23
